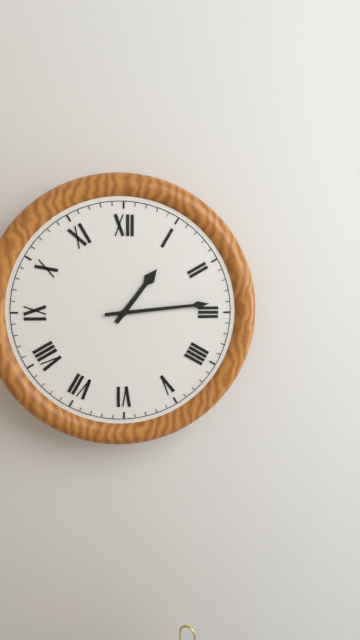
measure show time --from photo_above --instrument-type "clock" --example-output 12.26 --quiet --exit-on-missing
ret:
1.14
